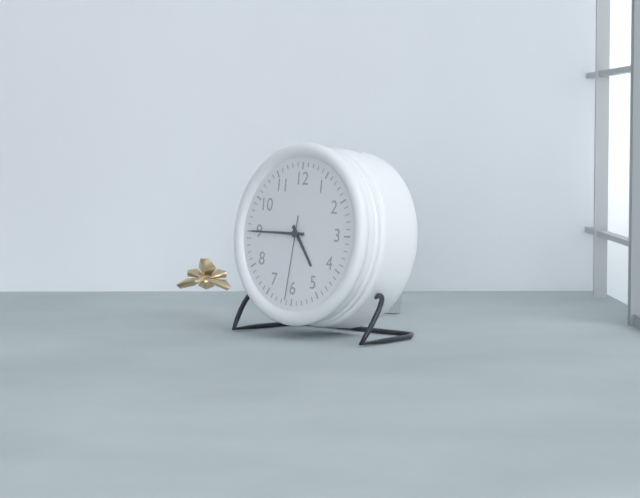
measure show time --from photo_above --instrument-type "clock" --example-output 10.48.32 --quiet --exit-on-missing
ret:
4.45.31
